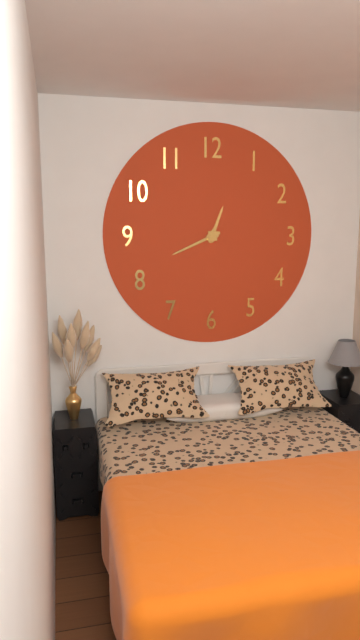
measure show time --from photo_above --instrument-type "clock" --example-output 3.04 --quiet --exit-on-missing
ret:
12.41
